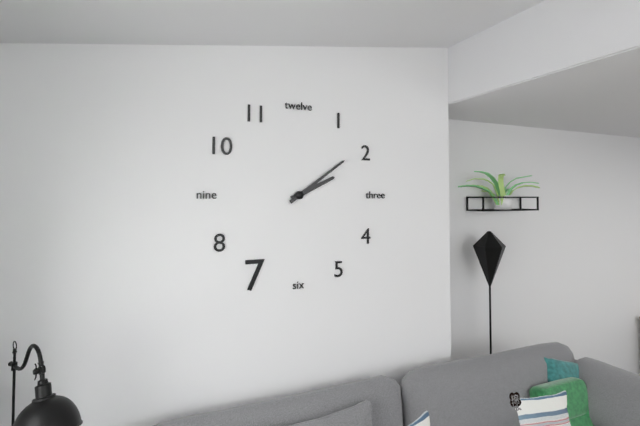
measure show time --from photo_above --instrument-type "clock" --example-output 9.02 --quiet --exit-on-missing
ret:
2.09
